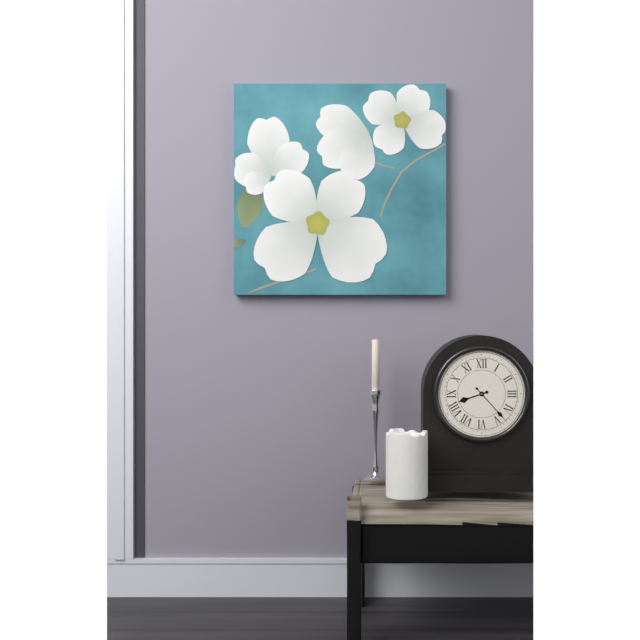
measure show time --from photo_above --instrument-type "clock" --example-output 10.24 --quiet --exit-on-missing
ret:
8.23
